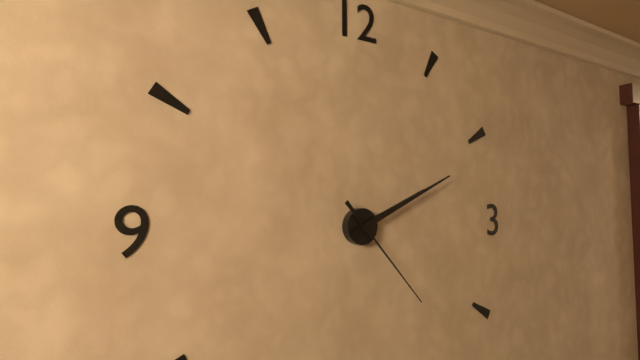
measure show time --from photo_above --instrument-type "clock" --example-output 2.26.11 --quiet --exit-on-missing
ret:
2.11.23
